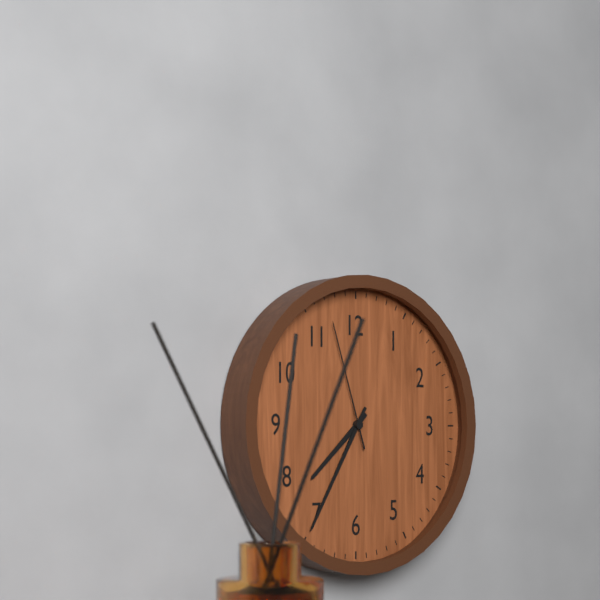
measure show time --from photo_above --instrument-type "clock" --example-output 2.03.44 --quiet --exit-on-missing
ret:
7.35.57
